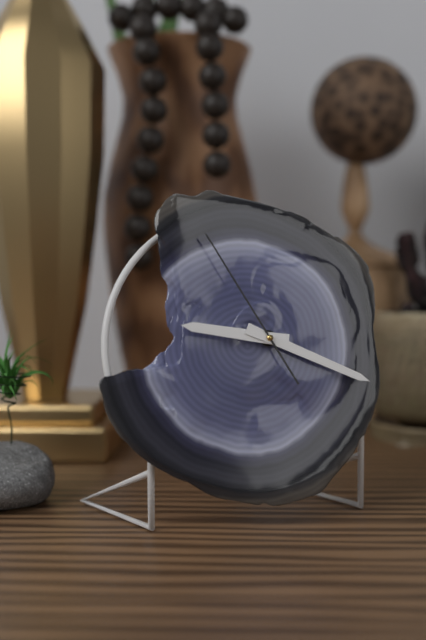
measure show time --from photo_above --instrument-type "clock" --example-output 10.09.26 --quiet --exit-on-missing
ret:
9.19.55
